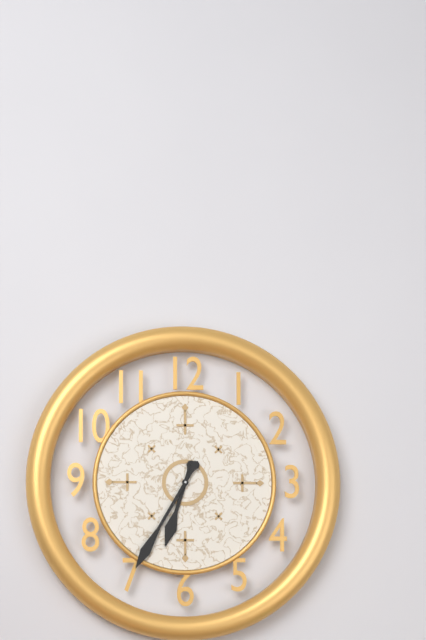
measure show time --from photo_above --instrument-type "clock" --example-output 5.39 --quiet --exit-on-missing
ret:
6.35
